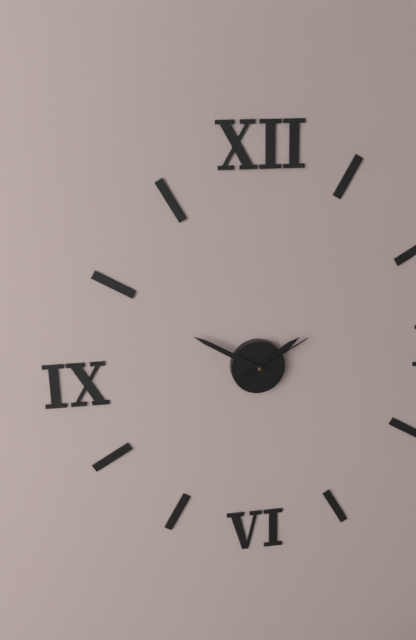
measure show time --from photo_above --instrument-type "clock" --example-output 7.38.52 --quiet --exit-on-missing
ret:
1.50.10
